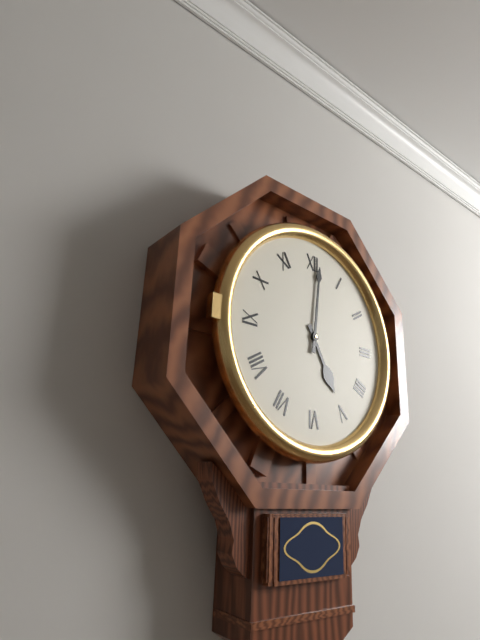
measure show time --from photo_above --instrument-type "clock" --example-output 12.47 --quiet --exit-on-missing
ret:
5.01
